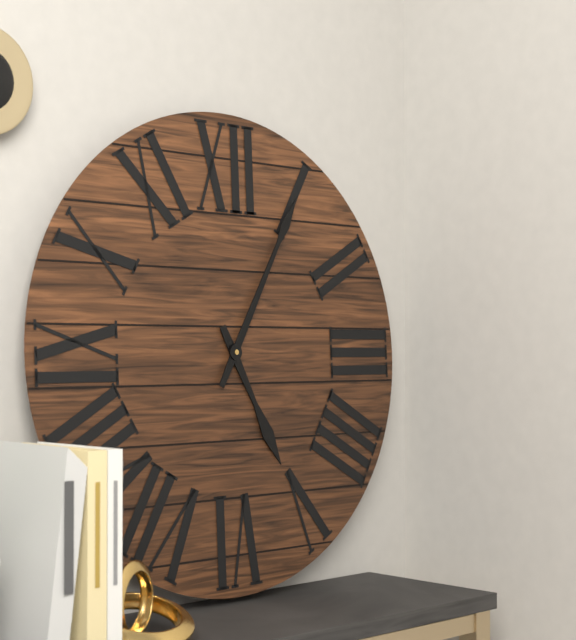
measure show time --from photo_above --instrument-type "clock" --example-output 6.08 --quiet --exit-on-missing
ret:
5.05
